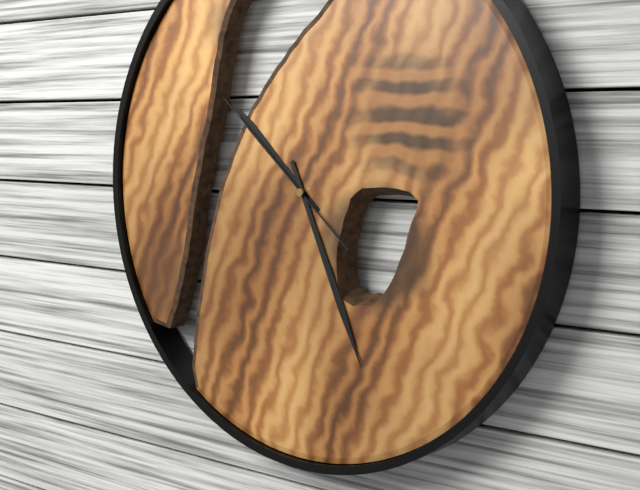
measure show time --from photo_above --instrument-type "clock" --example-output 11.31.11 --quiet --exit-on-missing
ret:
10.26.52
